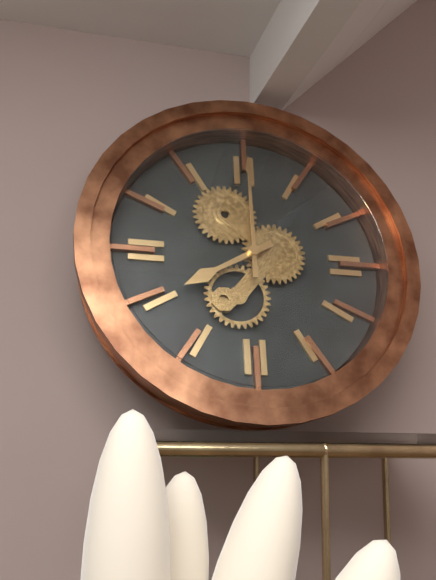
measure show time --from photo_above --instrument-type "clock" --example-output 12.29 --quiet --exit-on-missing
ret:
8.00
